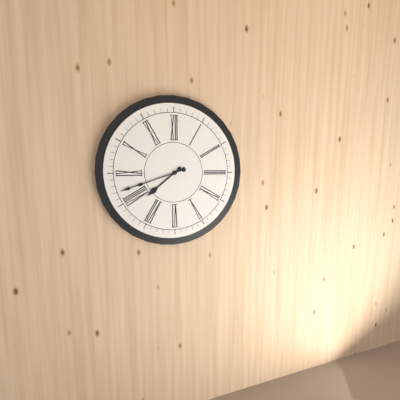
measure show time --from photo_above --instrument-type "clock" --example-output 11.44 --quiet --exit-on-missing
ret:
7.42
